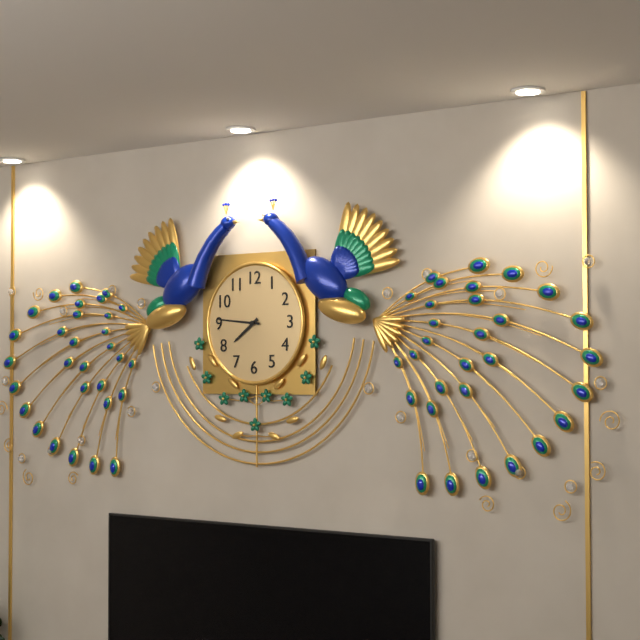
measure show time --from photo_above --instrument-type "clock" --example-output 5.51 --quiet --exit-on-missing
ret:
7.46
